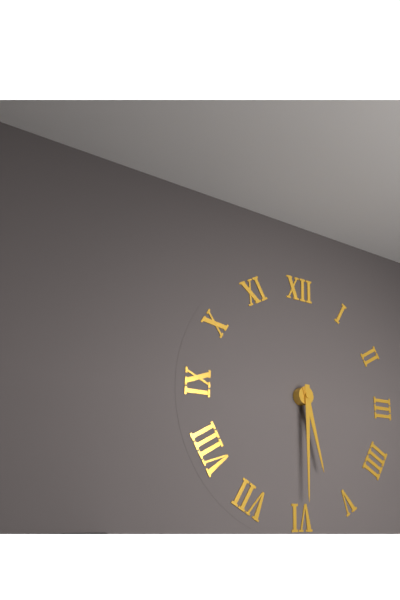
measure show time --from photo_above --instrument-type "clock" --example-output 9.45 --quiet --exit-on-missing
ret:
5.30
